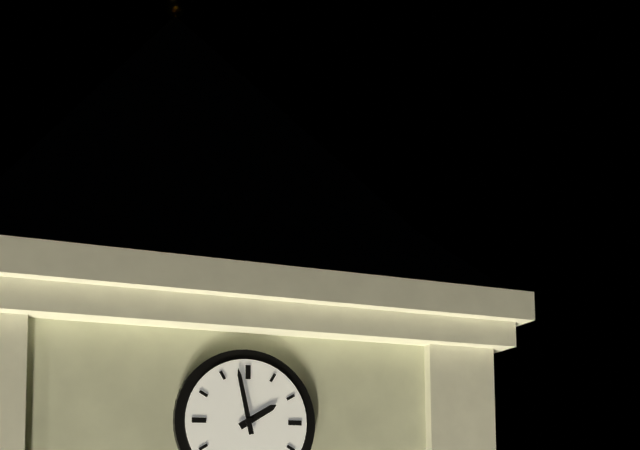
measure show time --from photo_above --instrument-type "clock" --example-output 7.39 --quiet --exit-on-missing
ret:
1.58
